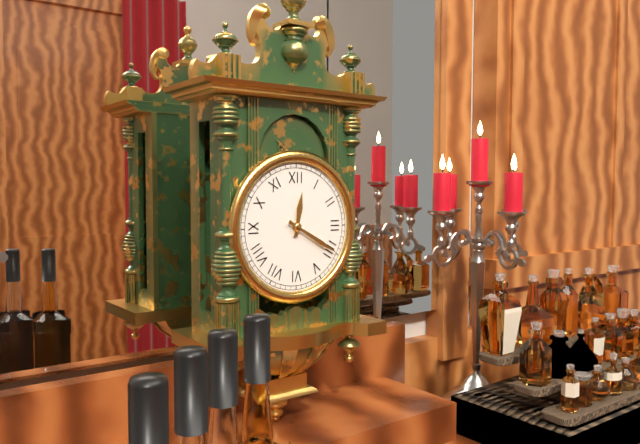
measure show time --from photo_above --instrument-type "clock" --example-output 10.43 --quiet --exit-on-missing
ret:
12.20
